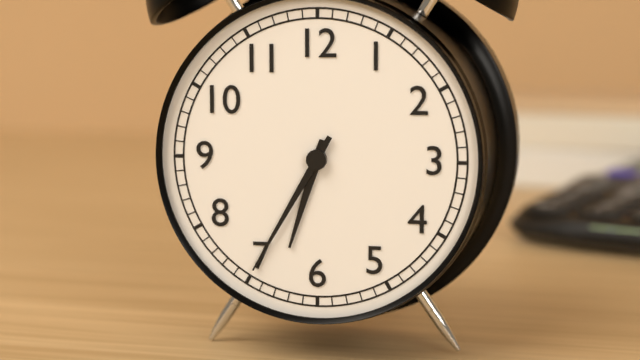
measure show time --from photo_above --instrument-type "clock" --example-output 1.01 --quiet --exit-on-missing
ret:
6.35
